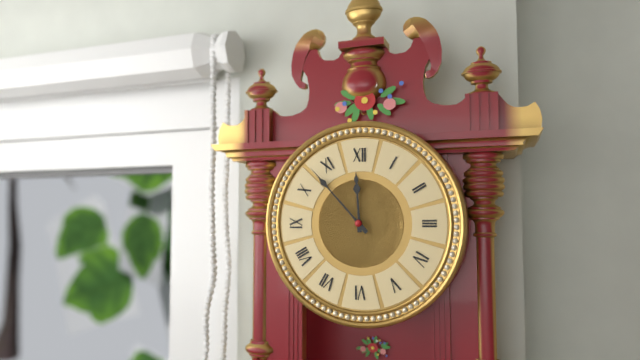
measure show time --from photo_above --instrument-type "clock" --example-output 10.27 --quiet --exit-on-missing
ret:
11.53
